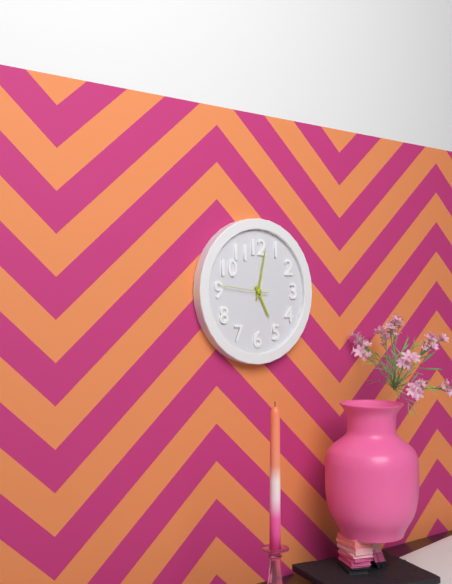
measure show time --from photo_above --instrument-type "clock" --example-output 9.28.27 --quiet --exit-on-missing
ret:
5.02.46
